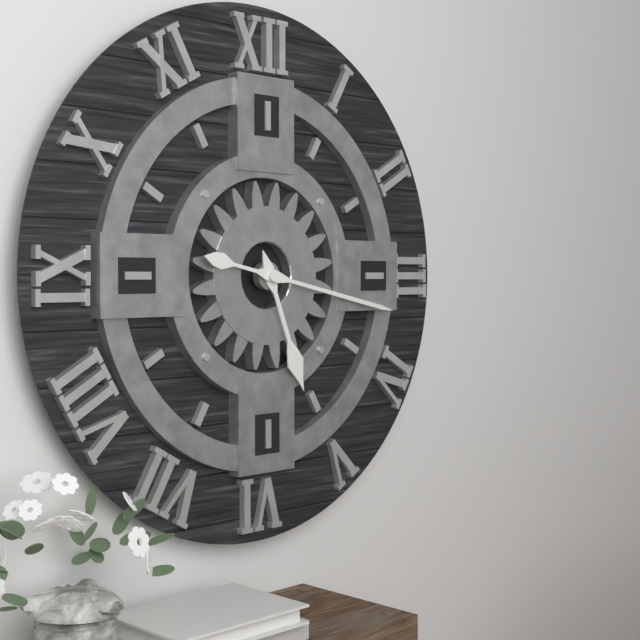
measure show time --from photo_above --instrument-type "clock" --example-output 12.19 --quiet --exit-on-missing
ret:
5.17
